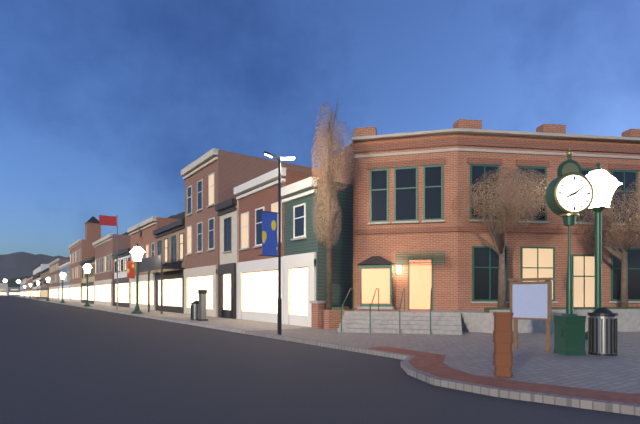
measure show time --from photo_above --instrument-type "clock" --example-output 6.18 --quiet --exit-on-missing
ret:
8.09
